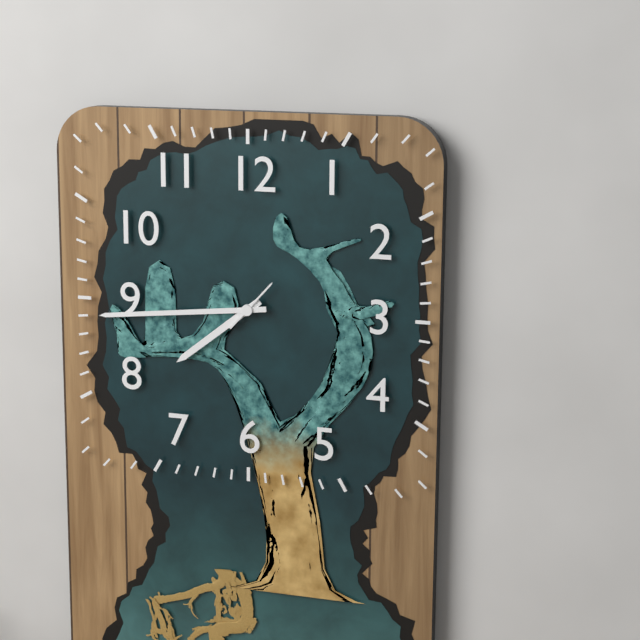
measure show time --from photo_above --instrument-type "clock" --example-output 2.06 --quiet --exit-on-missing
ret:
7.44
